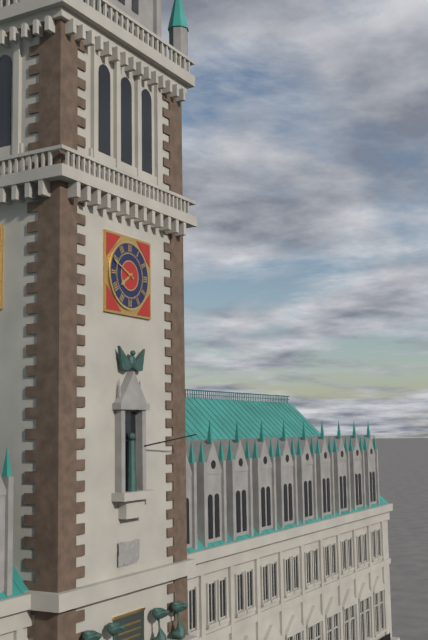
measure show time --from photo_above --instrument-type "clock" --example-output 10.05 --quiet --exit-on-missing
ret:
7.49
